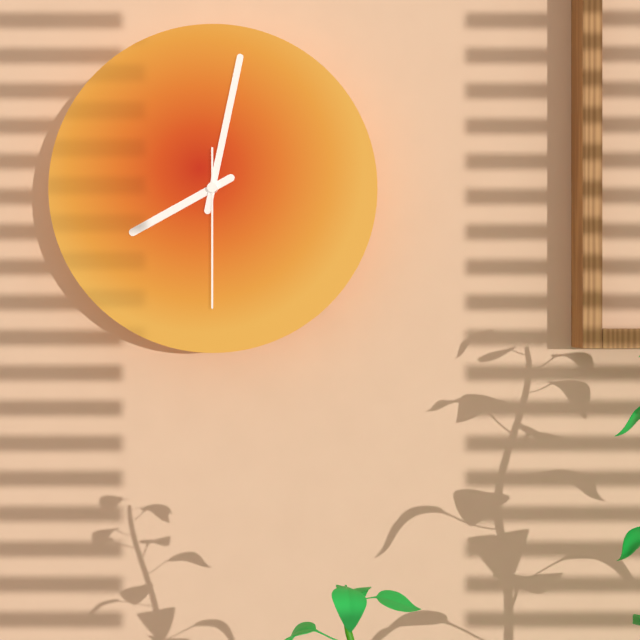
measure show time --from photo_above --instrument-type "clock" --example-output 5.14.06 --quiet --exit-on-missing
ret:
8.02.30
